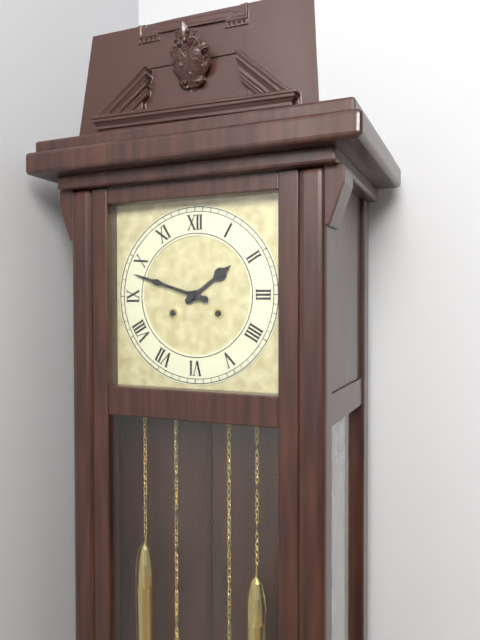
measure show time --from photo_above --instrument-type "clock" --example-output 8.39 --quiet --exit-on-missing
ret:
1.48
